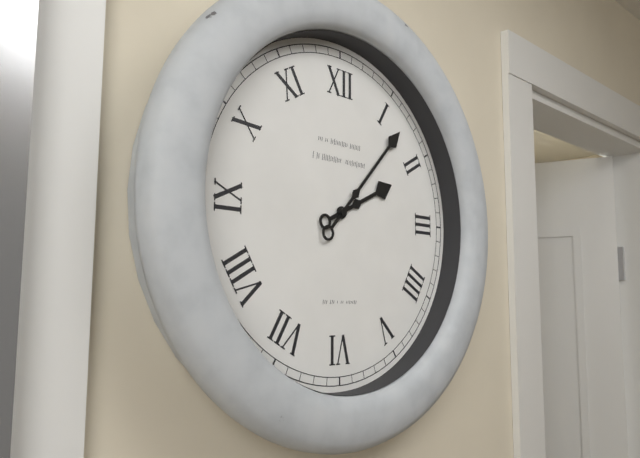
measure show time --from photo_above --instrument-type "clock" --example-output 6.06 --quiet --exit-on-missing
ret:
2.07
